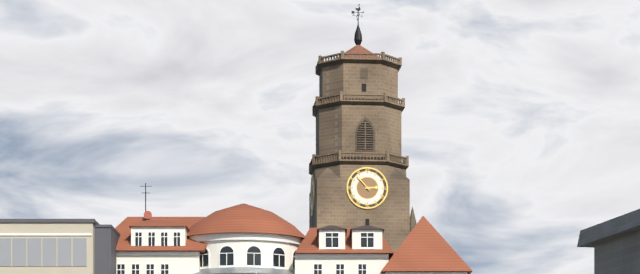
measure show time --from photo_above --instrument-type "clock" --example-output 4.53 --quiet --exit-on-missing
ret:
2.53
